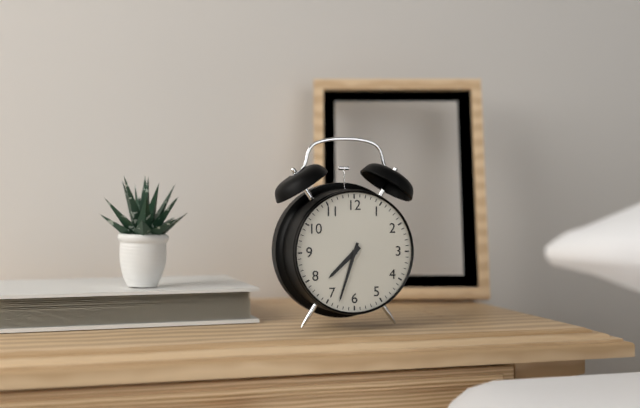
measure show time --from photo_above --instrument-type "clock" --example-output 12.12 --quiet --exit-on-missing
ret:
7.33
